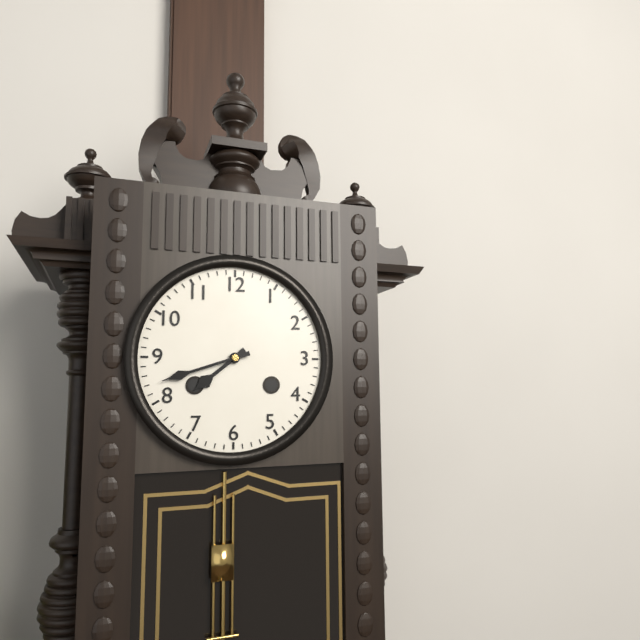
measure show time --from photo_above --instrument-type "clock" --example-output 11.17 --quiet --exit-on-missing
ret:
7.42
